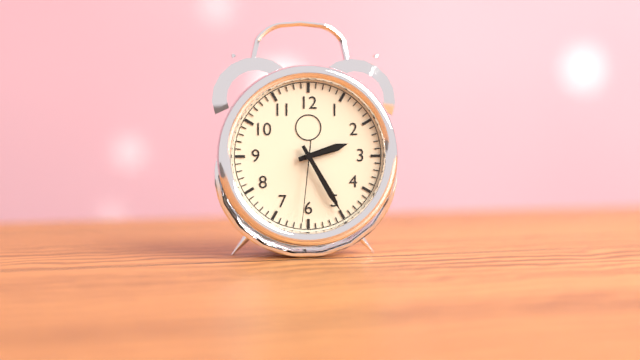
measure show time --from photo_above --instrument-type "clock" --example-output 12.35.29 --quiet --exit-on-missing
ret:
2.25.31
